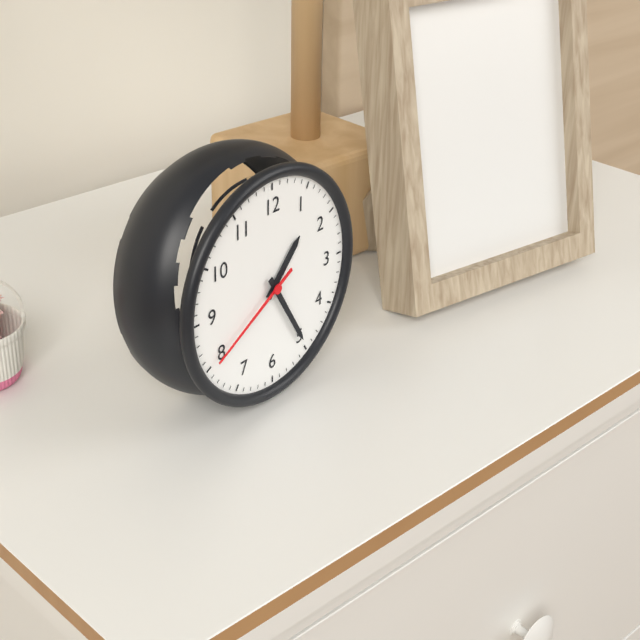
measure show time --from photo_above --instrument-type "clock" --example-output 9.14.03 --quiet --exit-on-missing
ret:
1.25.40
